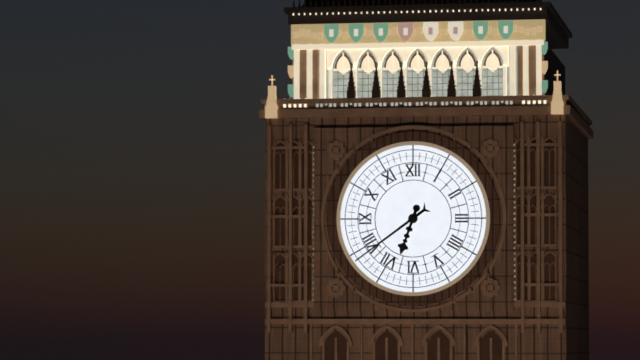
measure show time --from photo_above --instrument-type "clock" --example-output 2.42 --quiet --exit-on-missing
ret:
6.39
